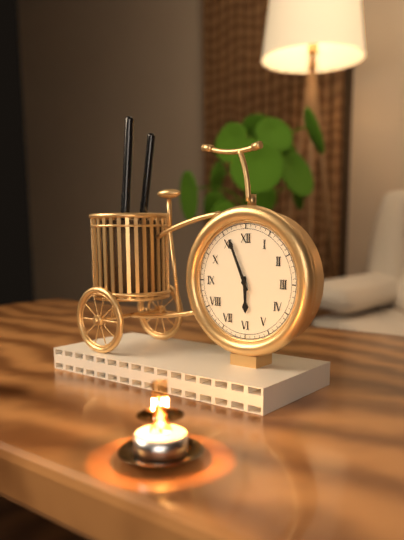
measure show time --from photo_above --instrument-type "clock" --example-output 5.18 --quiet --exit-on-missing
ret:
5.56
